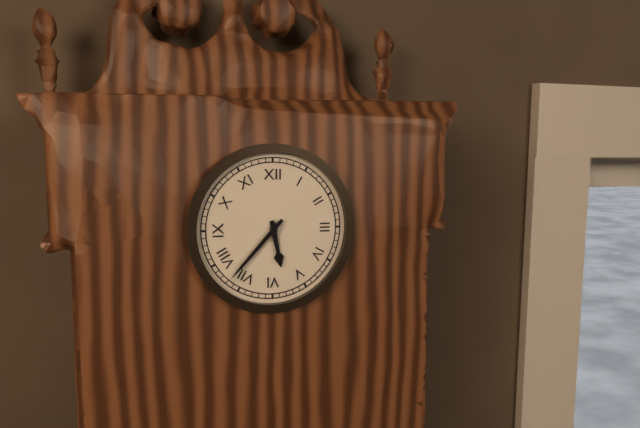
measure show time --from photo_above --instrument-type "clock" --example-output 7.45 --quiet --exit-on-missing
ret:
5.37
